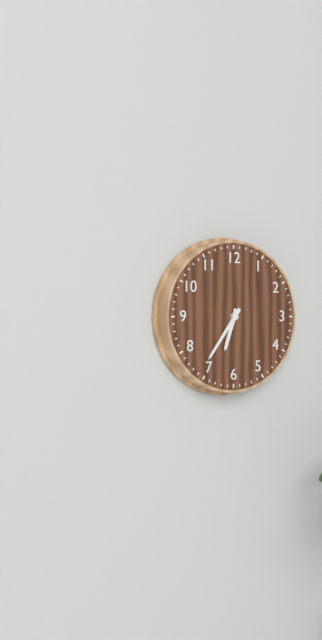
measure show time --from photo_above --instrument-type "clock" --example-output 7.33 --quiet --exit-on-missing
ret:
6.36
